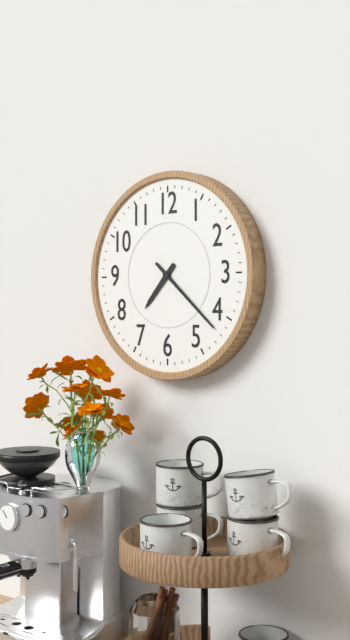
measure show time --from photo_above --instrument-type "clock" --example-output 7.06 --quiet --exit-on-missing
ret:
7.22
